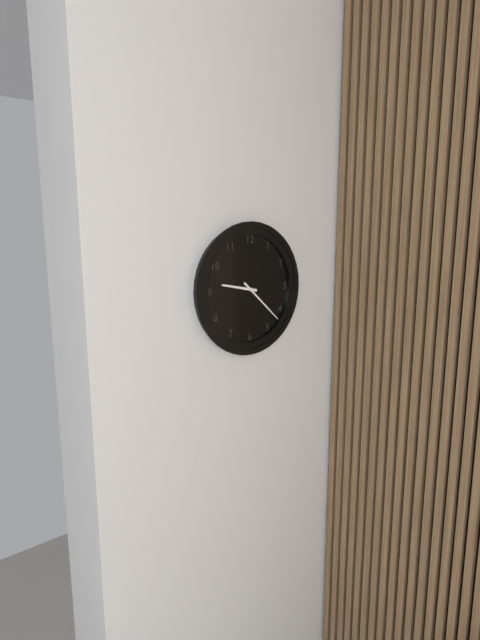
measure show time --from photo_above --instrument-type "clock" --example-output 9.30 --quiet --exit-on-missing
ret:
9.22
